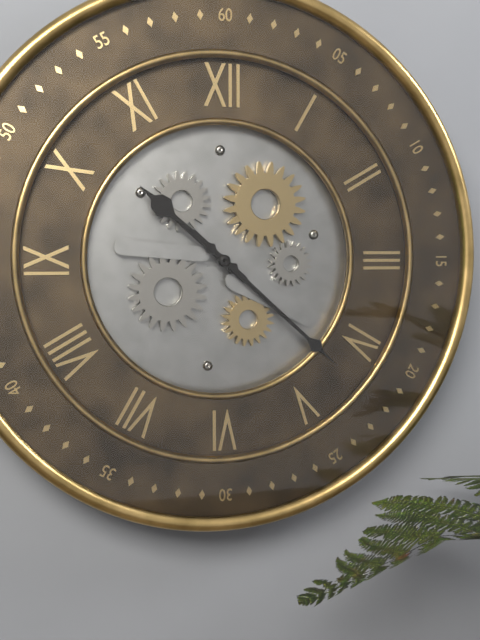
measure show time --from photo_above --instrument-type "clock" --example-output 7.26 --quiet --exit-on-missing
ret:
10.22
